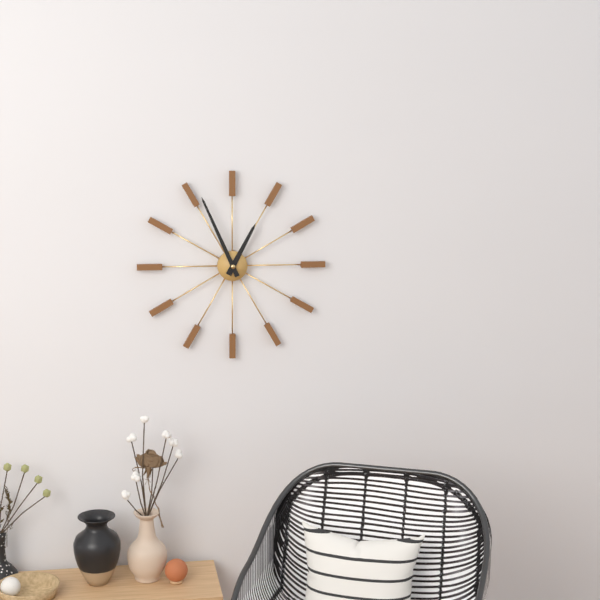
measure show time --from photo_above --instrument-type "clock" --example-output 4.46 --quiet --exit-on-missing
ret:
12.56
